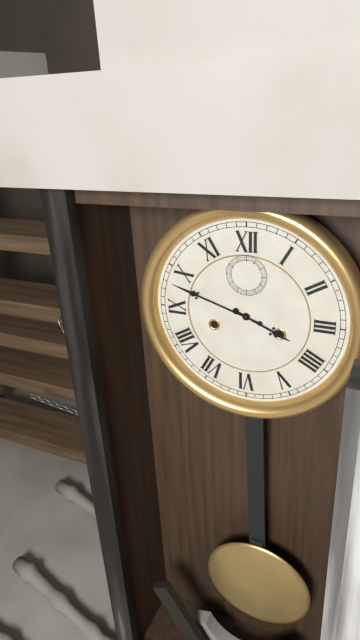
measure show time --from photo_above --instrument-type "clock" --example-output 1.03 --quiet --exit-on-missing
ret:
3.48
